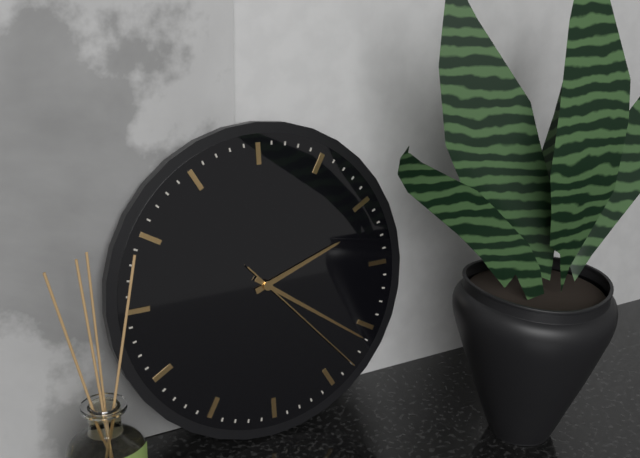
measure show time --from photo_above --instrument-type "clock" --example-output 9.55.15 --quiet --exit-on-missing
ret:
2.21.23
